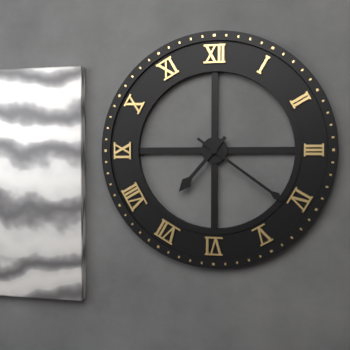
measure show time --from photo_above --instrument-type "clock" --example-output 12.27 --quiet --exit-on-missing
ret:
7.21
